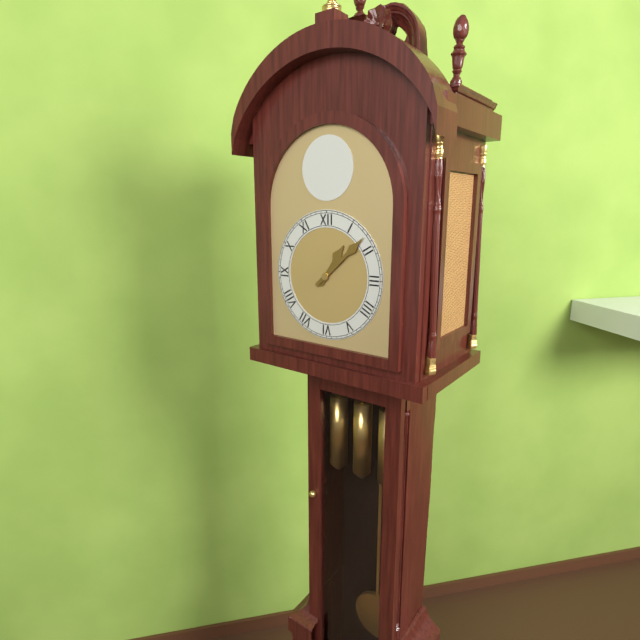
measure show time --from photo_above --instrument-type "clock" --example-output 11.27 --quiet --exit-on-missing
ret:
1.08
